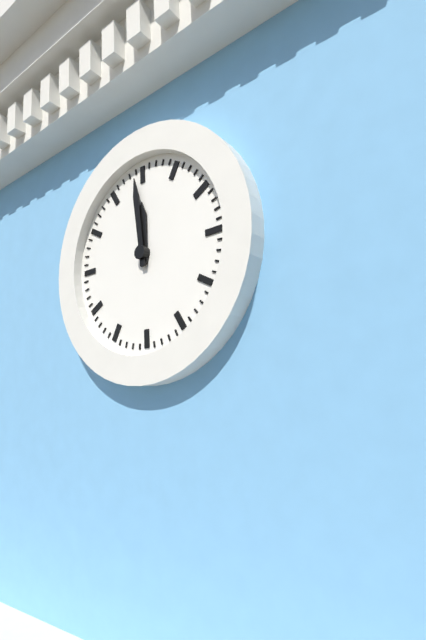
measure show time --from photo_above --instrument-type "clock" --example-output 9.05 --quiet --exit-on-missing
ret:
11.59
